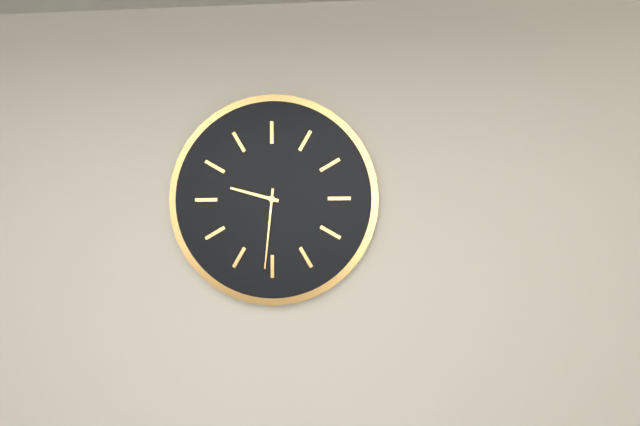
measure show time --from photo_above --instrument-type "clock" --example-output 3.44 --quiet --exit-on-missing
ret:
9.31
